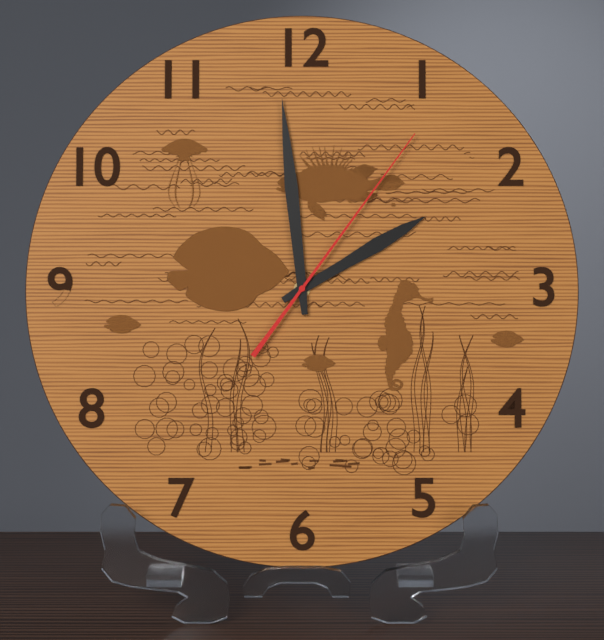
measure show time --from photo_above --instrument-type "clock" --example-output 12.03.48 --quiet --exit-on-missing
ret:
1.59.06
